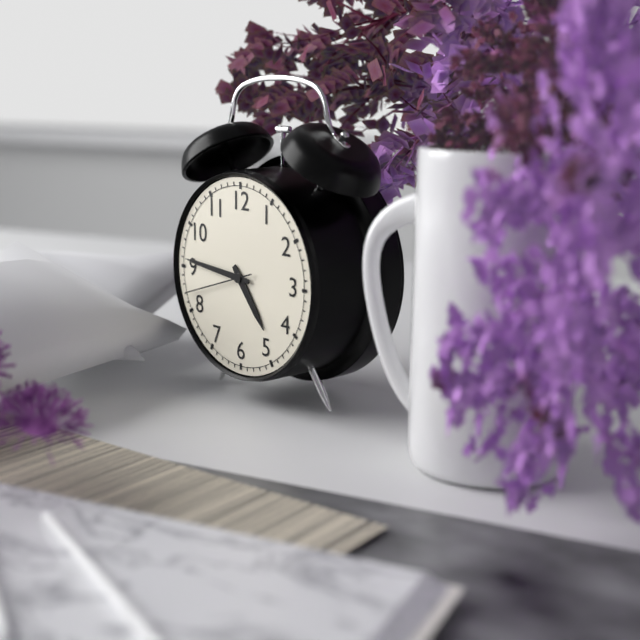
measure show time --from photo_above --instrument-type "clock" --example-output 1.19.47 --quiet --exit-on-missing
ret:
4.46.42
